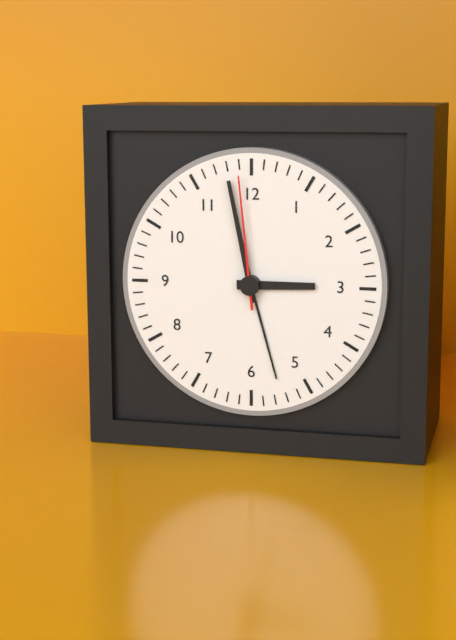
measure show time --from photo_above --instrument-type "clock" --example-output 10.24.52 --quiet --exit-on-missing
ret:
2.58.59
